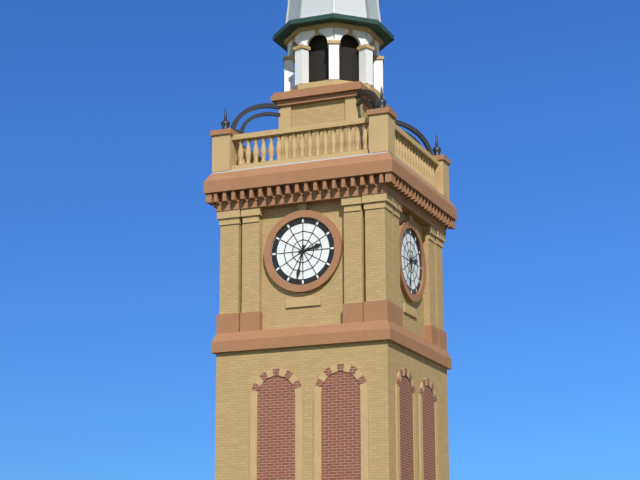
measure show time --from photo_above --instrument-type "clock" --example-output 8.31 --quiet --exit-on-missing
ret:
2.32
